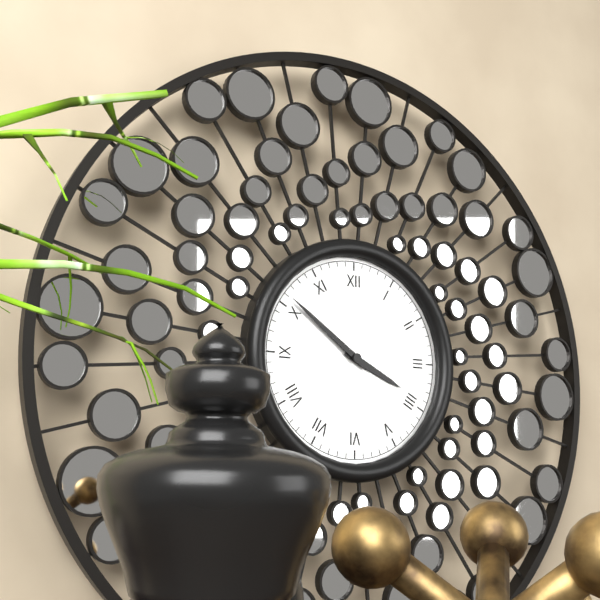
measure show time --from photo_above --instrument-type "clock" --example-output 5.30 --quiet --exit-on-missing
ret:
3.51
